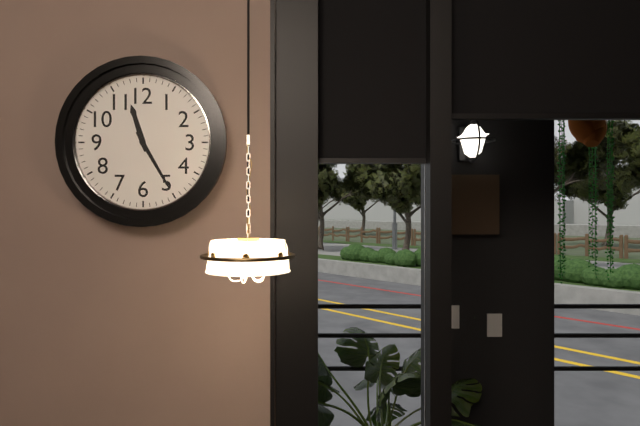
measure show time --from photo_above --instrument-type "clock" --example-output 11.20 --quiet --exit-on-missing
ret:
11.25
